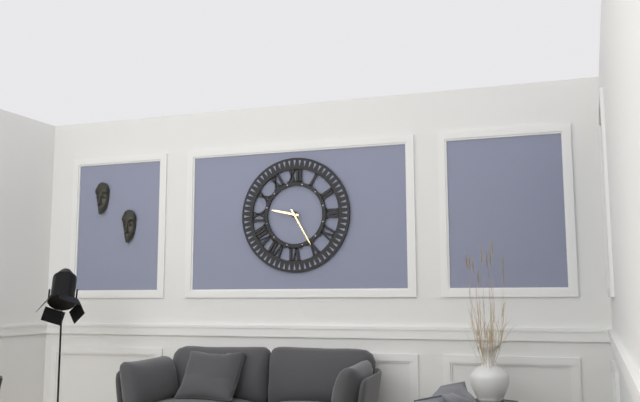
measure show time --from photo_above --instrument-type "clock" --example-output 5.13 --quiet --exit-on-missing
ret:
9.25
